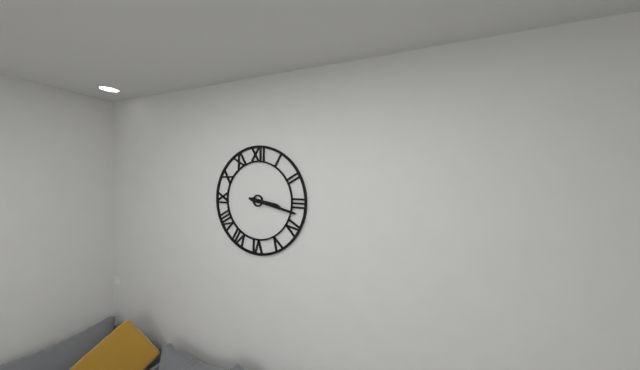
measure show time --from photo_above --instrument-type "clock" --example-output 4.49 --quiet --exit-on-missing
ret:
3.17
